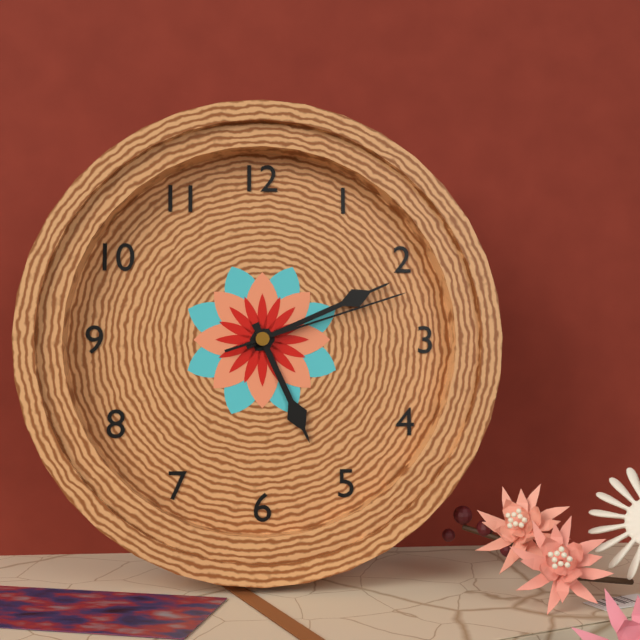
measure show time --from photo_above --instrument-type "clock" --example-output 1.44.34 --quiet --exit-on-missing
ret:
5.11.12
